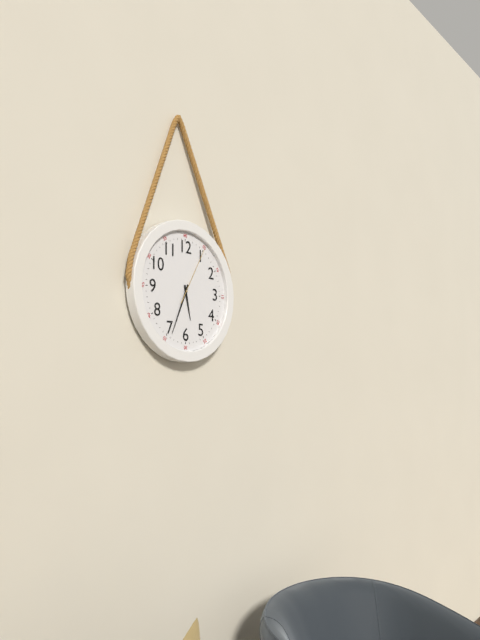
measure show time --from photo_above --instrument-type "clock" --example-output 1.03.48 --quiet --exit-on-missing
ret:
5.34.05
